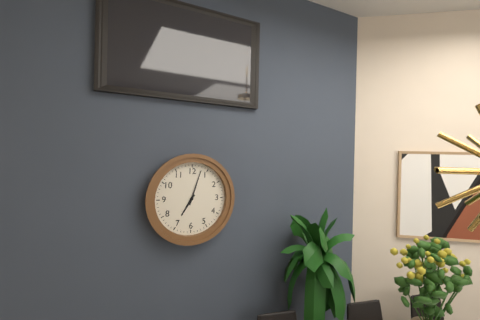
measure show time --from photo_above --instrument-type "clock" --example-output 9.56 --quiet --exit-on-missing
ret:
7.03
